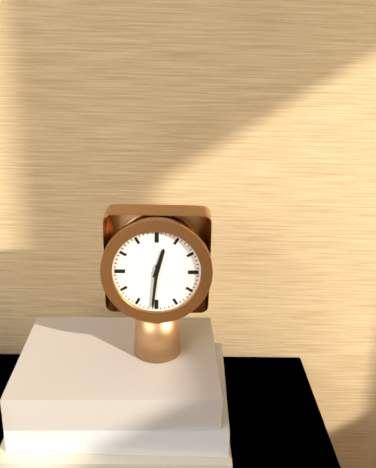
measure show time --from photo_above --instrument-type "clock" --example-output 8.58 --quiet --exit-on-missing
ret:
12.31
